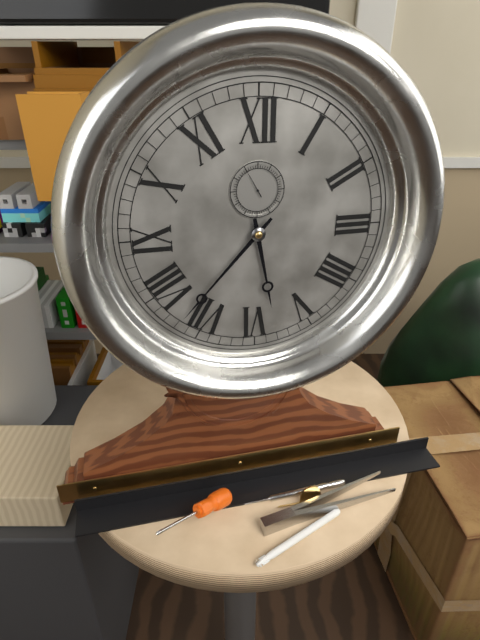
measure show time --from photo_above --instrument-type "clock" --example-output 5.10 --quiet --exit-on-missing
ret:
5.37
